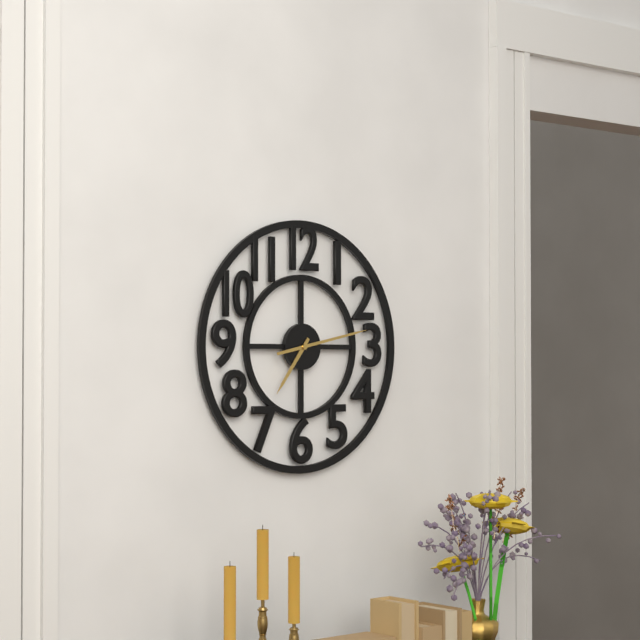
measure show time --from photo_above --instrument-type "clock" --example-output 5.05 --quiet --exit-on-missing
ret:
7.13
